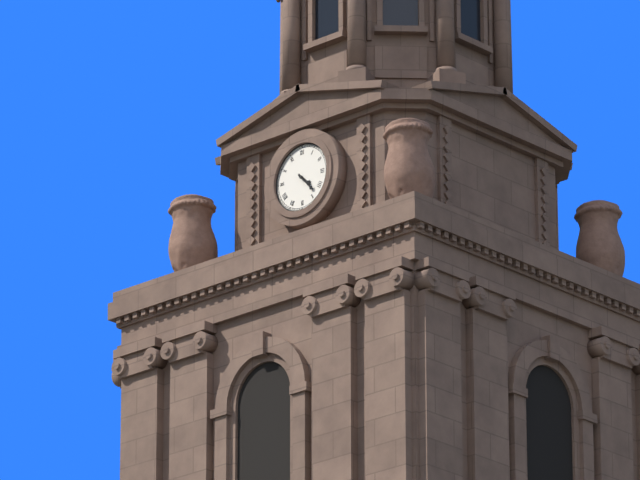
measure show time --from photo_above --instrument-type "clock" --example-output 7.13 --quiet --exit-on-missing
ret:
4.23
